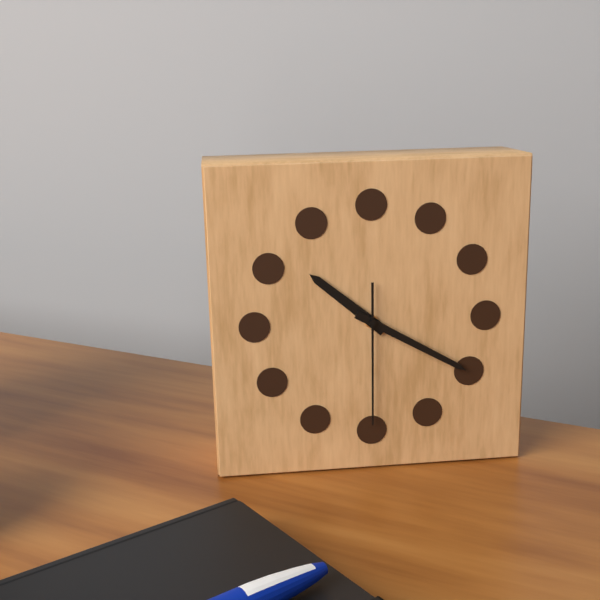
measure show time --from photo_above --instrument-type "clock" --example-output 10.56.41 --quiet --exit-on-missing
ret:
10.20.30
